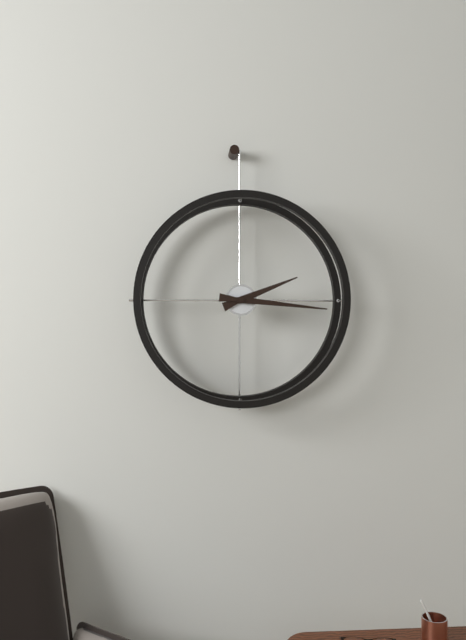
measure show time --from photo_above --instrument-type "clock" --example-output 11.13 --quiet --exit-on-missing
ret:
2.16
